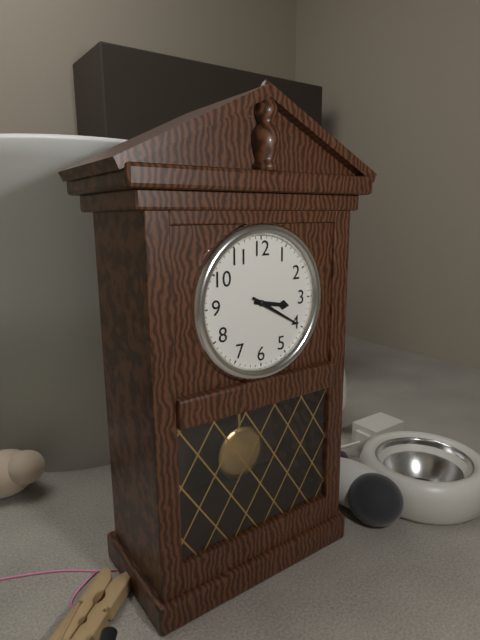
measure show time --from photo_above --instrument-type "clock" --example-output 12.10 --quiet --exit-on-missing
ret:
3.20
